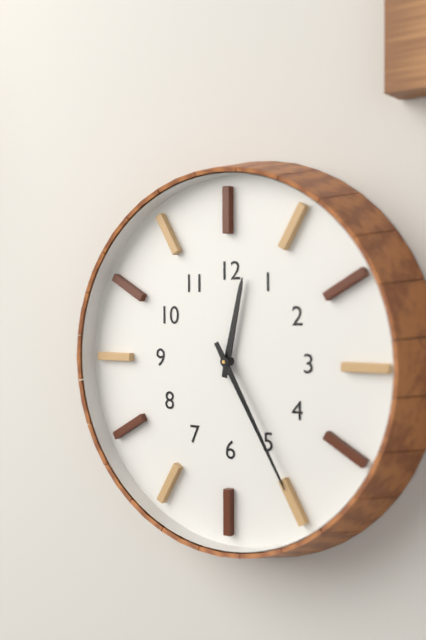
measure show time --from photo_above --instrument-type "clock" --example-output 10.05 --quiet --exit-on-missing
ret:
12.25
